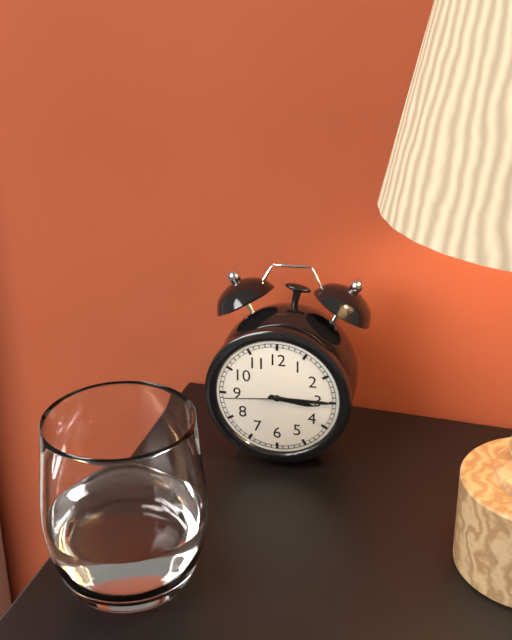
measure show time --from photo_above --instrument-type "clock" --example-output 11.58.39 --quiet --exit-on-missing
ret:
3.15.44
